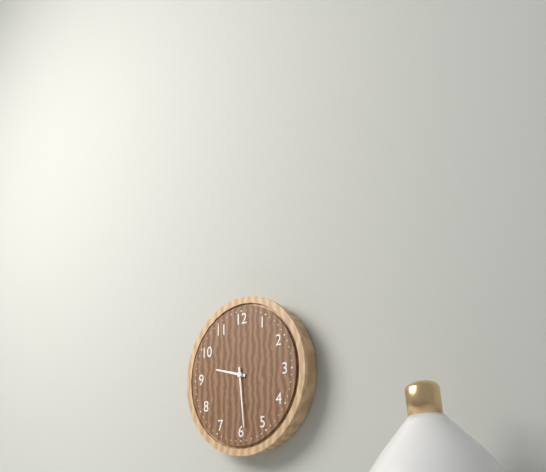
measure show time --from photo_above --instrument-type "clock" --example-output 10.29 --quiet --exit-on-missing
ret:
9.29
